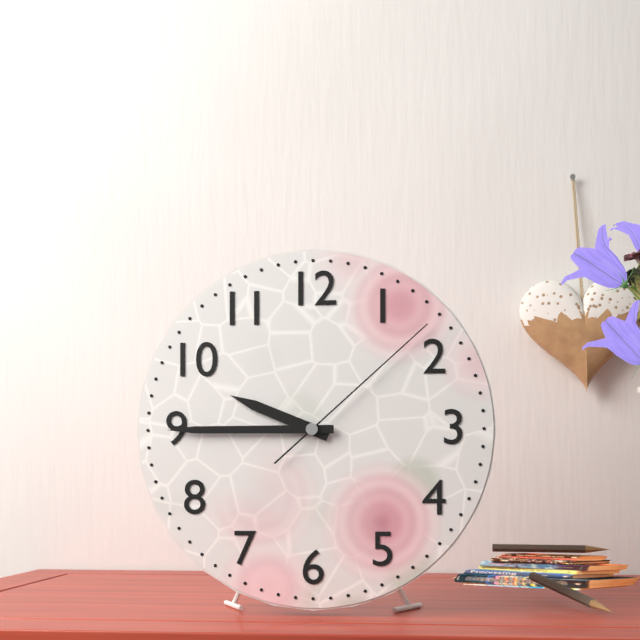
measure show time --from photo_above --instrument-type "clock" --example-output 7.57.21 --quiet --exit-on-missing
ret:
9.45.08
